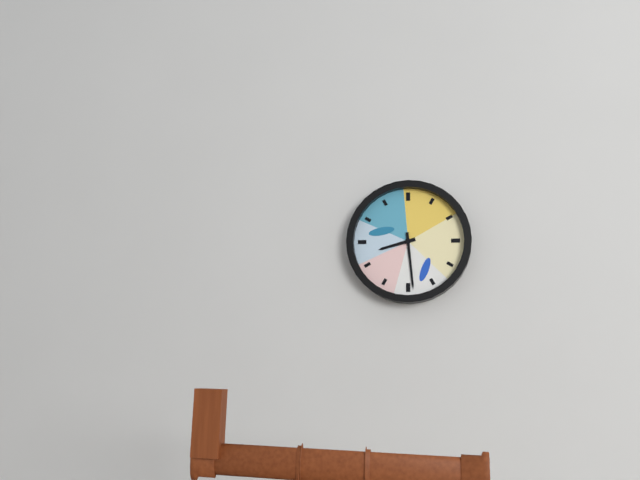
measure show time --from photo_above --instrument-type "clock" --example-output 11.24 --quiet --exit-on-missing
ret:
8.29
